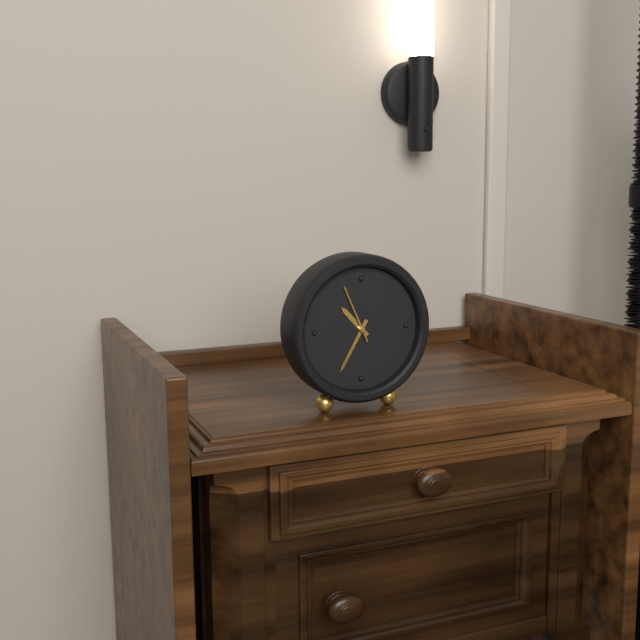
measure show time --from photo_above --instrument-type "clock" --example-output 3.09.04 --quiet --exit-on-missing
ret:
10.35.56
